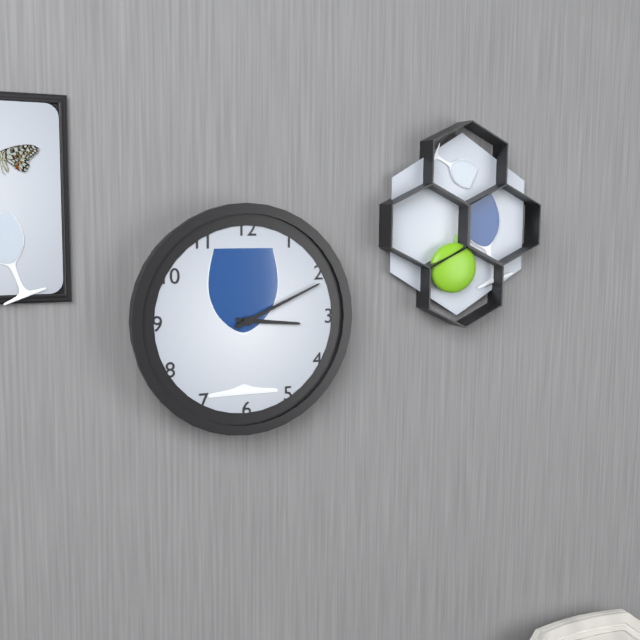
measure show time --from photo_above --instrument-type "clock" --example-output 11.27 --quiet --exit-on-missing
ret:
3.11
